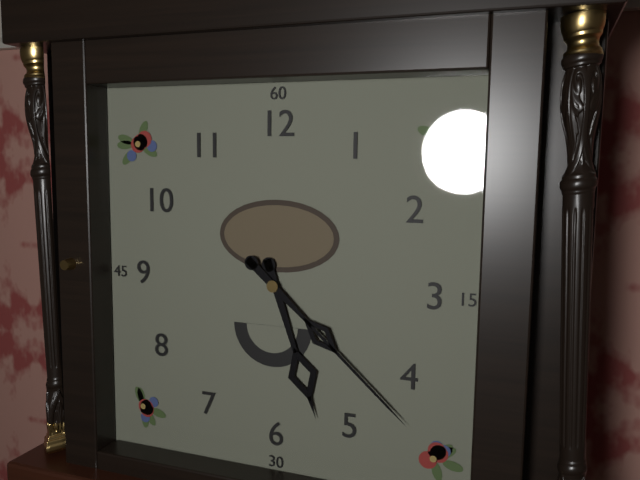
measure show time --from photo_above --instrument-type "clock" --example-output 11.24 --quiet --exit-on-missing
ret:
5.22
